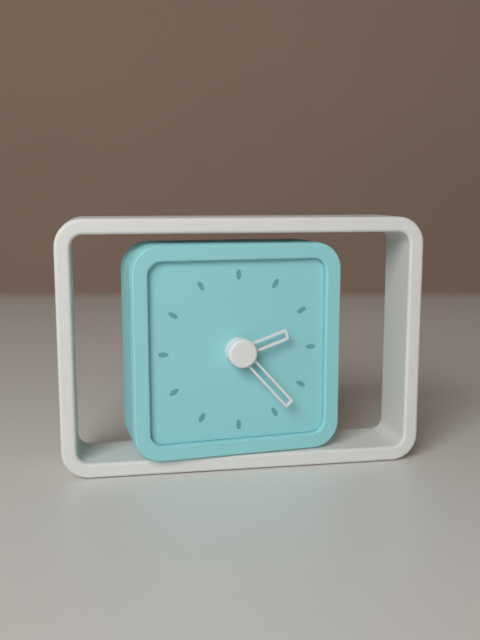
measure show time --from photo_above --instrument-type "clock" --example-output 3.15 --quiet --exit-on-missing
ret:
2.23
